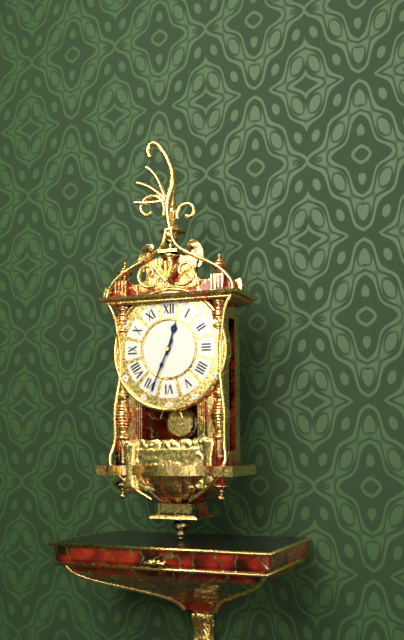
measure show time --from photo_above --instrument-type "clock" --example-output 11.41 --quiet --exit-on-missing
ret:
12.34
